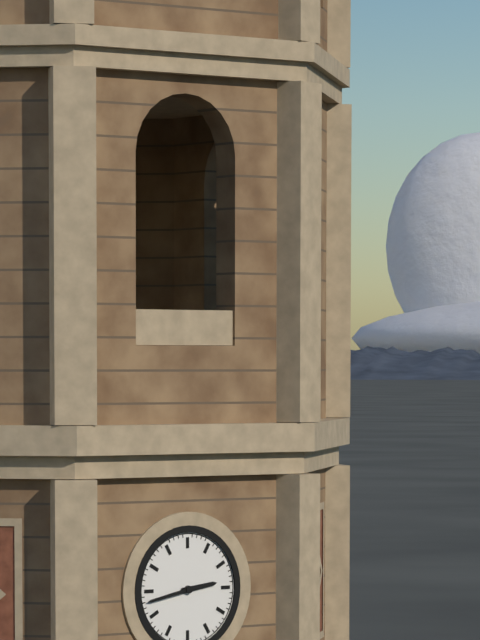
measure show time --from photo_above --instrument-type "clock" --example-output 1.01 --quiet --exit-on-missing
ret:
2.43
